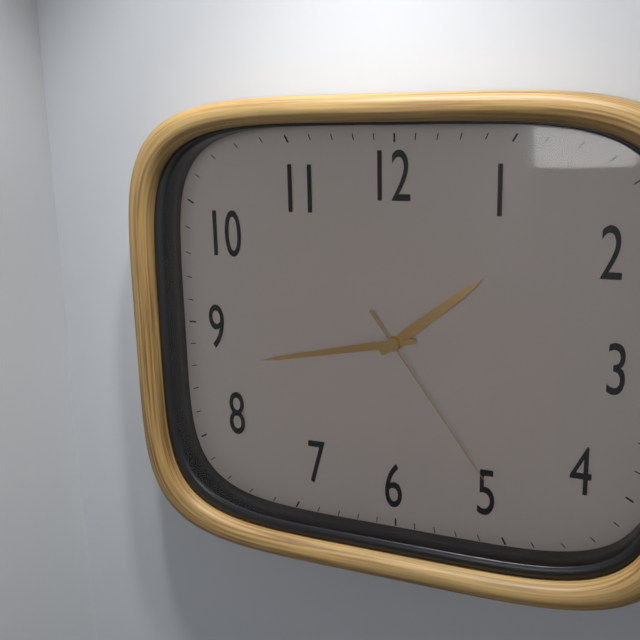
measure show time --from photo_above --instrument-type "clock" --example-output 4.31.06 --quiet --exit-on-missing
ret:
1.43.24
